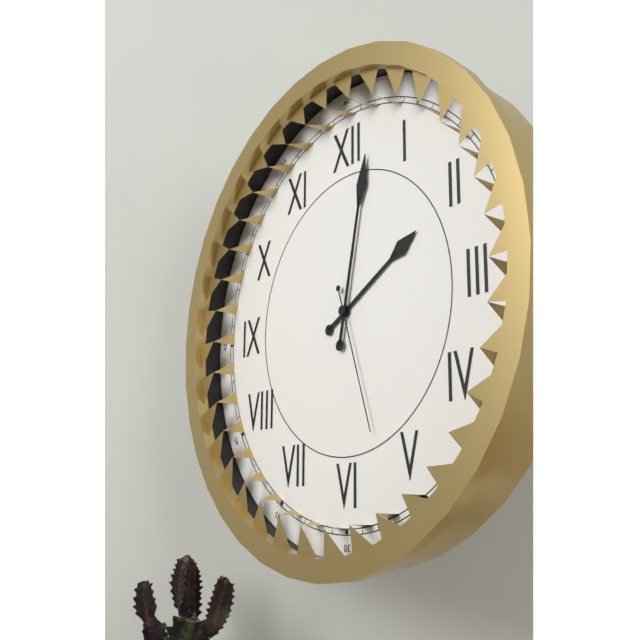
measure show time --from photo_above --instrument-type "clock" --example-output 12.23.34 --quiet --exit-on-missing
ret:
2.02.27
